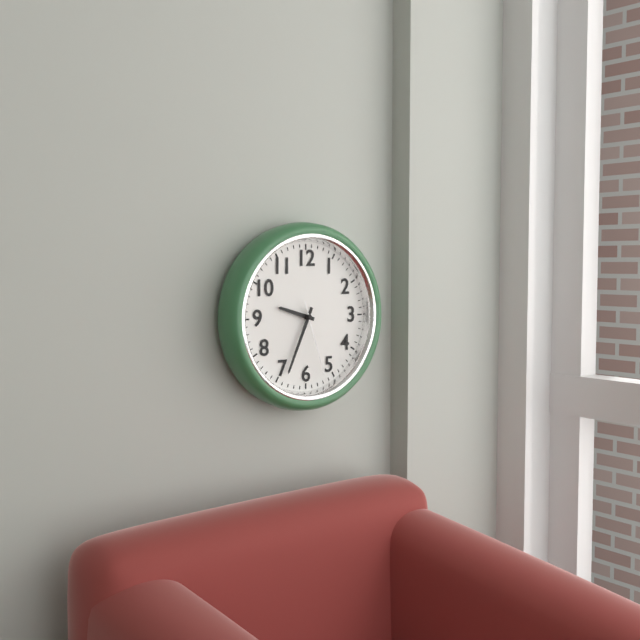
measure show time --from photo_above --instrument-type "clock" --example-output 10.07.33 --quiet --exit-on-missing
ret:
9.34.27
